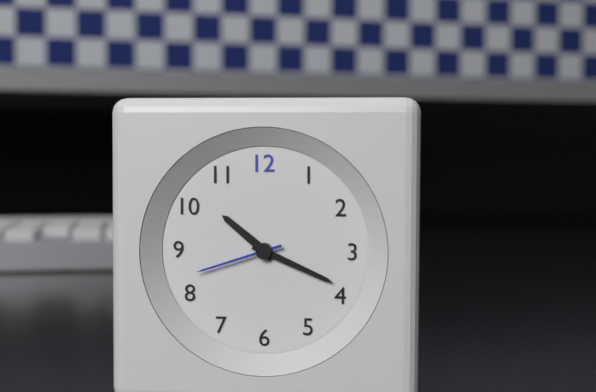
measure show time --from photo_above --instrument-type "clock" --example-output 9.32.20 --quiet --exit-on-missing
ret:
10.19.42
